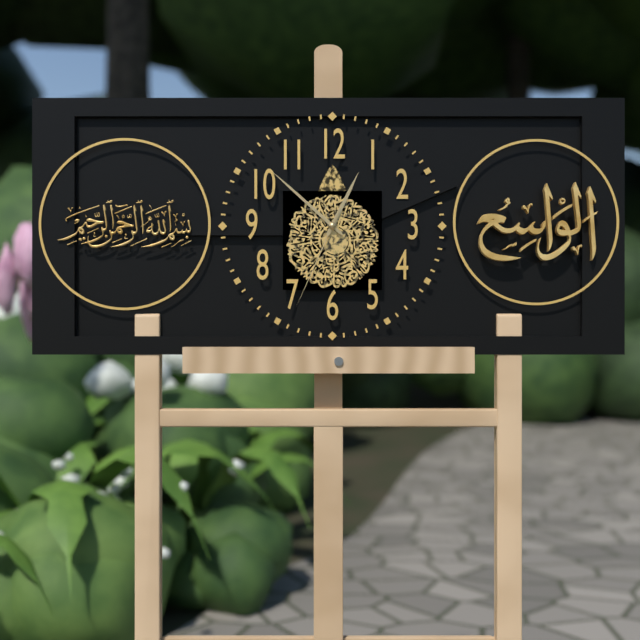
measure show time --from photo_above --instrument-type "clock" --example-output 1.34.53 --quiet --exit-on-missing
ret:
12.52.34
